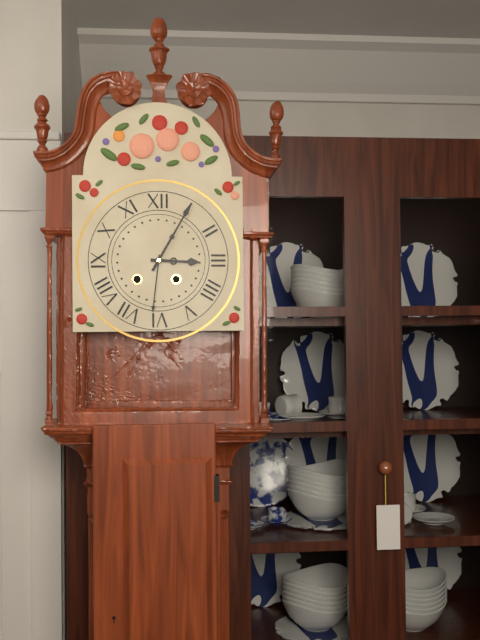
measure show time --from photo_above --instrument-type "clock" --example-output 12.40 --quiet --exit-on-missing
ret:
3.05
